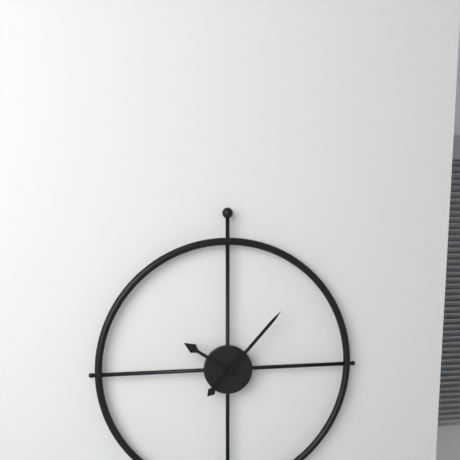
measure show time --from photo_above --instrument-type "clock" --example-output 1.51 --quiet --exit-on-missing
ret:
10.07
